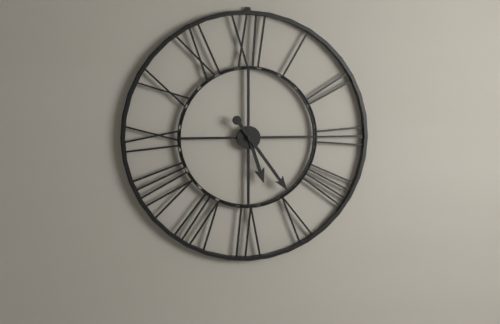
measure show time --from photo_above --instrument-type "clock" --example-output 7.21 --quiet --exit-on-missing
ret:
5.24
